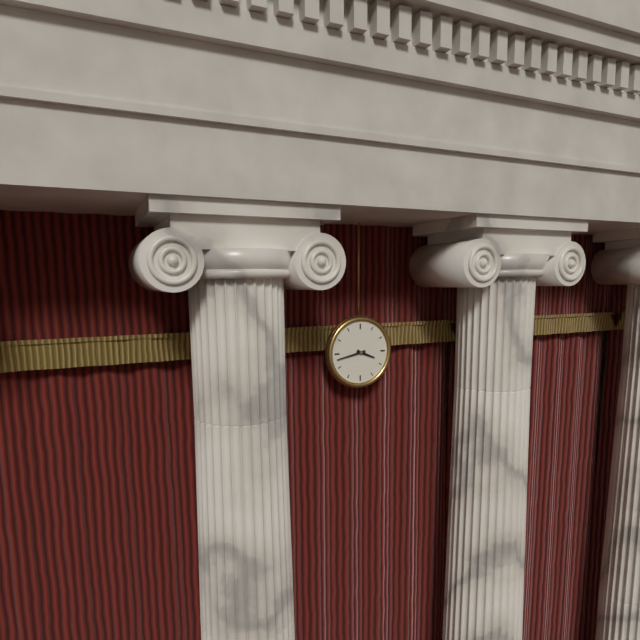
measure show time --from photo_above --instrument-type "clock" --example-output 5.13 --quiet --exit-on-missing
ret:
3.43
